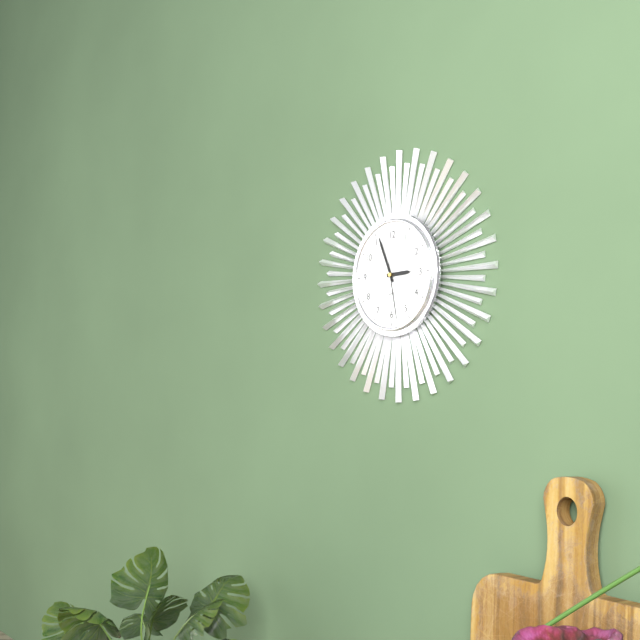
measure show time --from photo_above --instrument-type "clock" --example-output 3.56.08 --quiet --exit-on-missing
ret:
2.56.28
